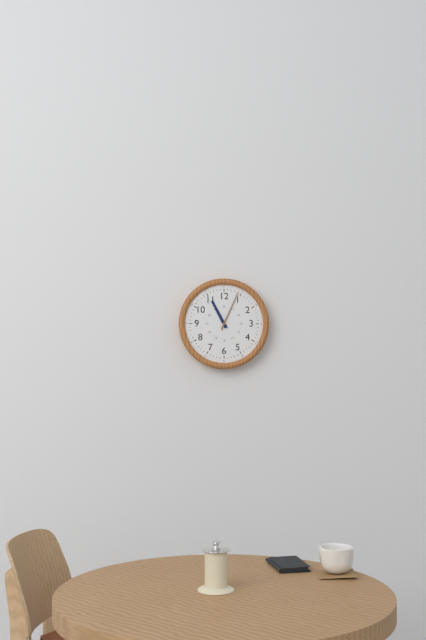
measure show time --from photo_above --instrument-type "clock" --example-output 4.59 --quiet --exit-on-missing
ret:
11.04
